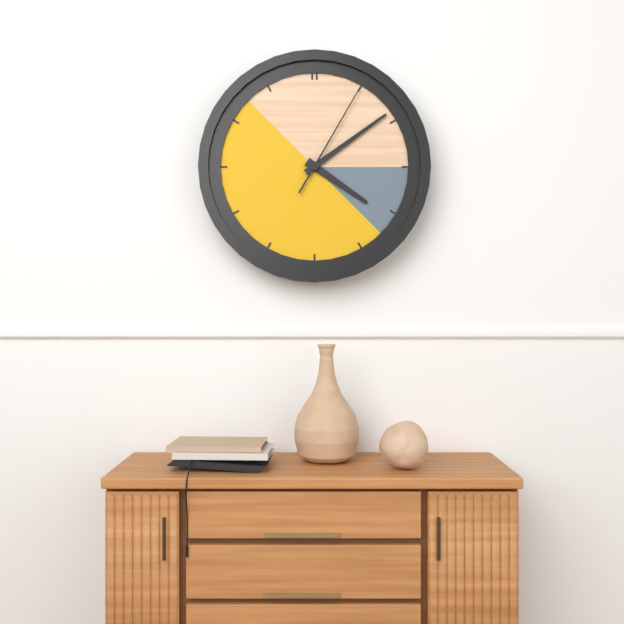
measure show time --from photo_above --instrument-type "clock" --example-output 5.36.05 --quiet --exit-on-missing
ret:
4.09.05
